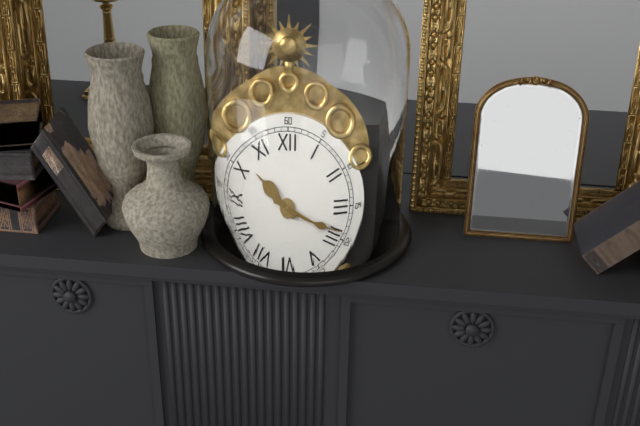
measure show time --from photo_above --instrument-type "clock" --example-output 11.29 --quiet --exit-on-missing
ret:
10.19
